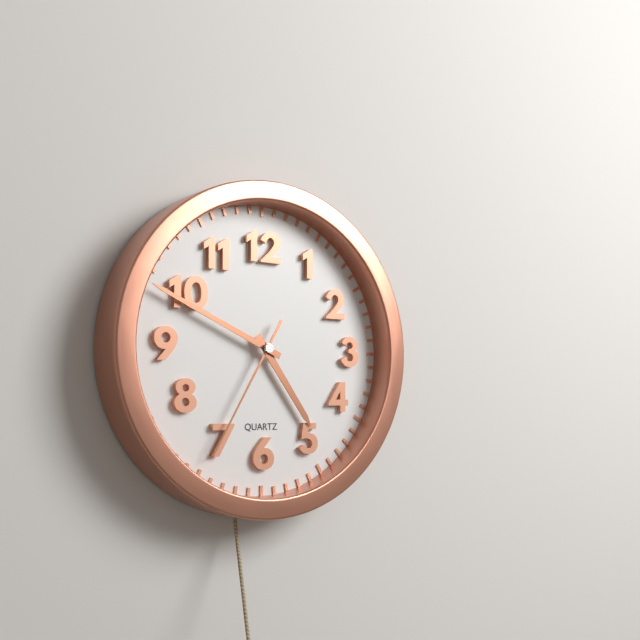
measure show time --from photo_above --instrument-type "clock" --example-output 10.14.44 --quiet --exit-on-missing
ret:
4.49.35
